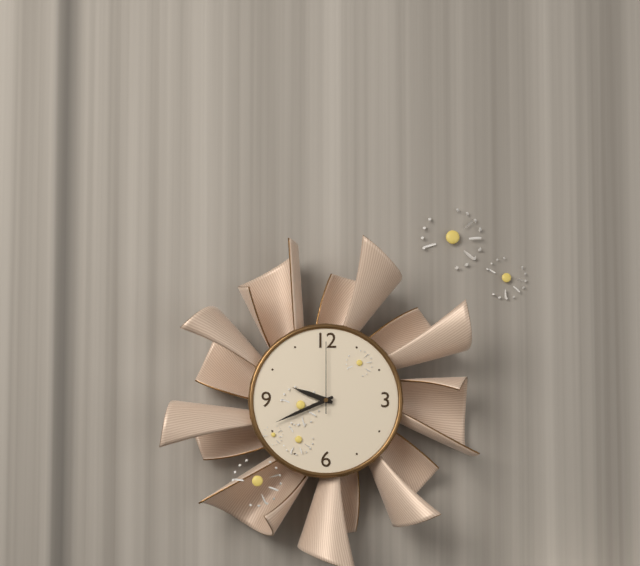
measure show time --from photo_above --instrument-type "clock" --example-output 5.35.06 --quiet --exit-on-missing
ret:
9.41.00
